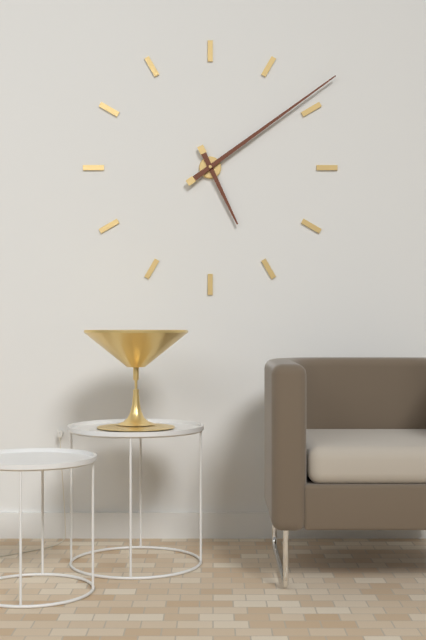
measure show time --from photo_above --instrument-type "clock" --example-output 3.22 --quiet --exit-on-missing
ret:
5.09
